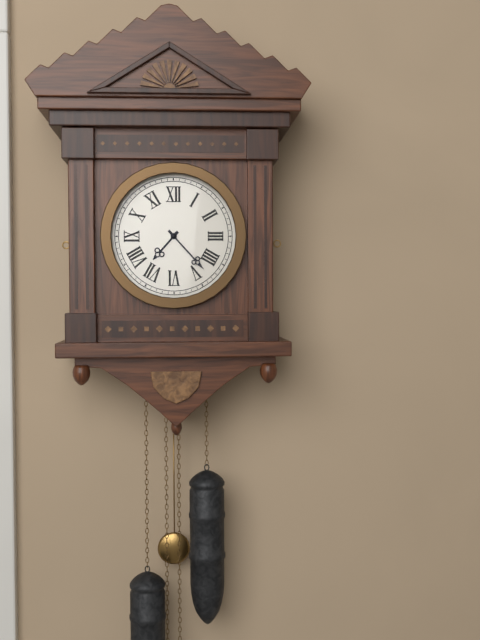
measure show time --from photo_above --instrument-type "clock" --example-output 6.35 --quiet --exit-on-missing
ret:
7.23
